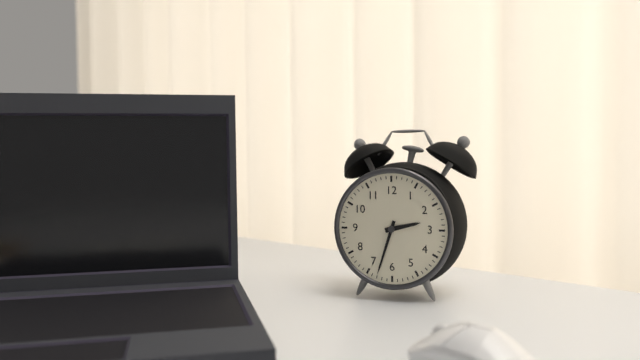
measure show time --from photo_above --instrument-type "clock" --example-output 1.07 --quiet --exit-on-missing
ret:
2.33
